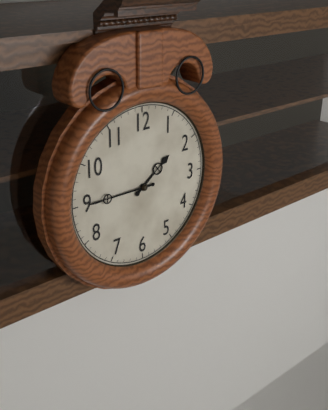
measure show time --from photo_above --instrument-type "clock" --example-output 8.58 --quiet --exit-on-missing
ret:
1.45
